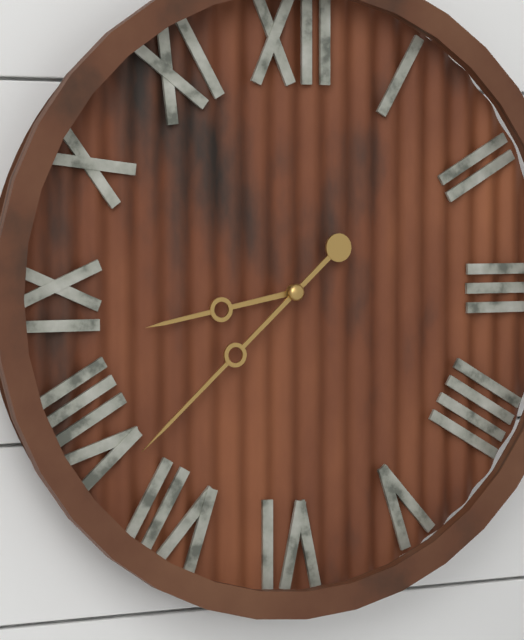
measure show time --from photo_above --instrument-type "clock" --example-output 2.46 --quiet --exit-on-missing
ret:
8.38
